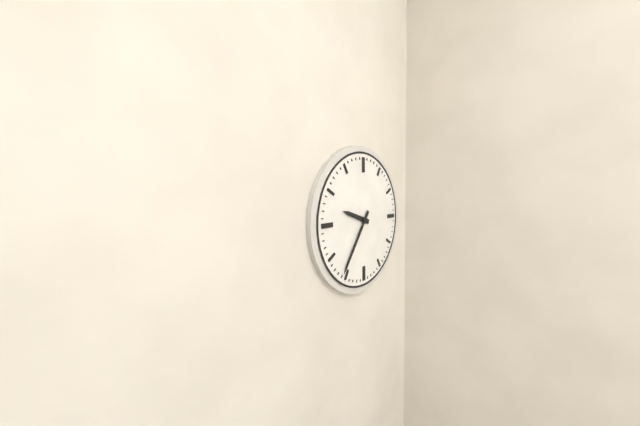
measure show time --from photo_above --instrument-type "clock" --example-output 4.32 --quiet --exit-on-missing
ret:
9.36
